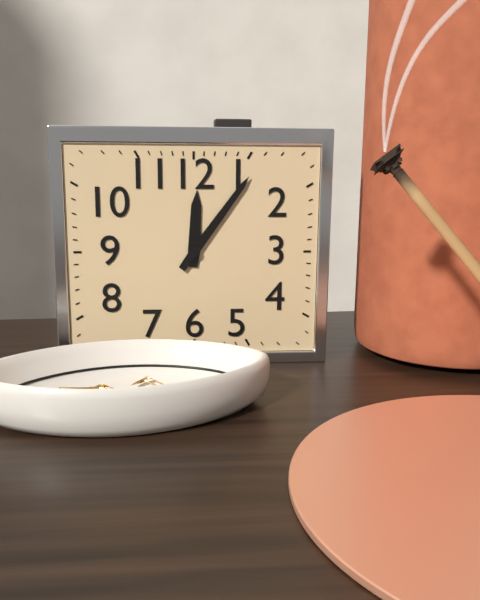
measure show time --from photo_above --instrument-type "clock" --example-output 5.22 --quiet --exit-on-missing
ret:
12.06
